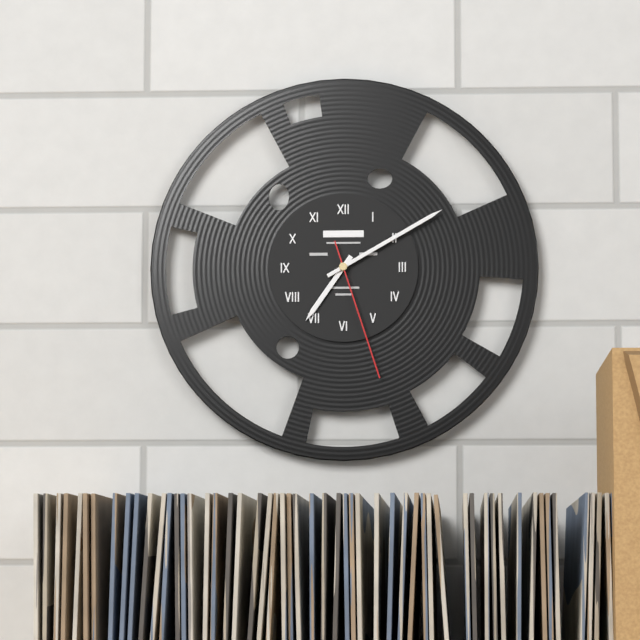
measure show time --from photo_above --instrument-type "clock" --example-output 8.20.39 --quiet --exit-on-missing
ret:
7.10.27
